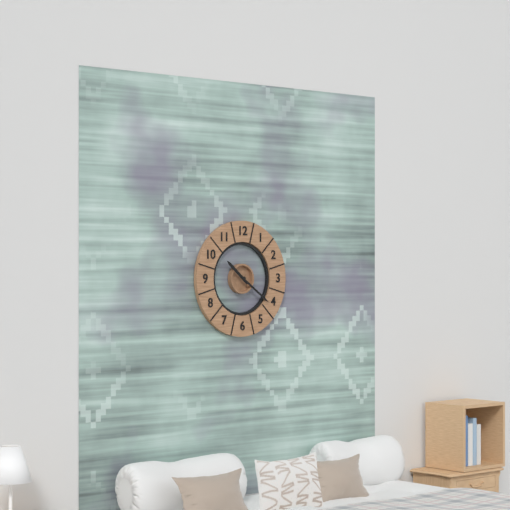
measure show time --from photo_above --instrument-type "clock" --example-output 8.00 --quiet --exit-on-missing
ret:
10.21
